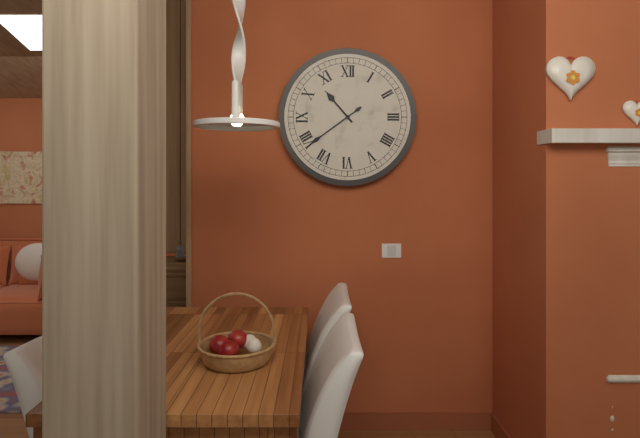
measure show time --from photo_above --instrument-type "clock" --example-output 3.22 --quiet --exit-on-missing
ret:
10.39
